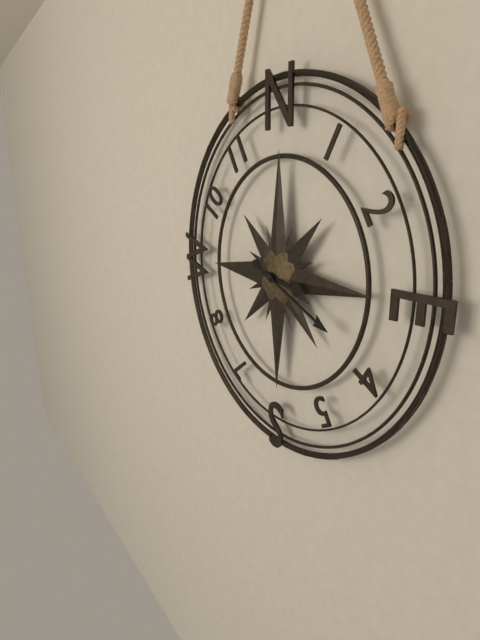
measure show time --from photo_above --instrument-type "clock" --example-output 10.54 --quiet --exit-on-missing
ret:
3.19
